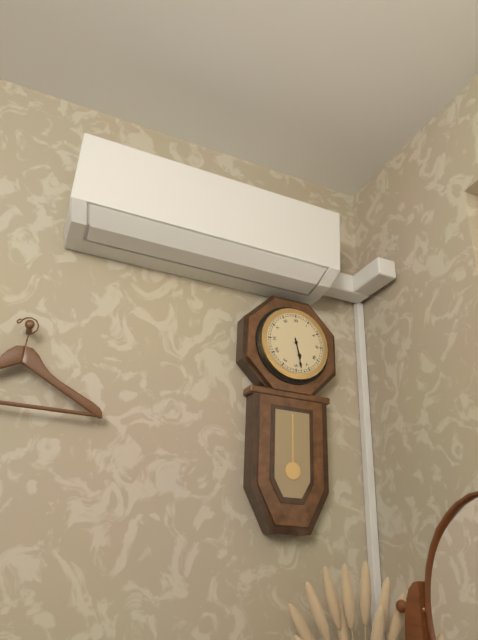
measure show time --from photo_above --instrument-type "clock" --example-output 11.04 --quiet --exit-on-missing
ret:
5.28
